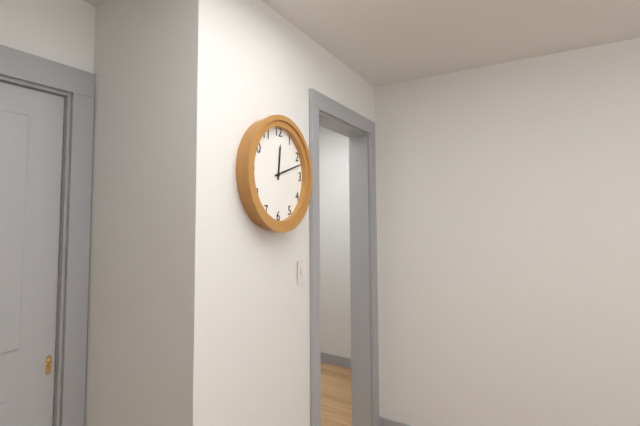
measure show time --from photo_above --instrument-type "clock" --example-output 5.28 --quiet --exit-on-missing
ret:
12.12
